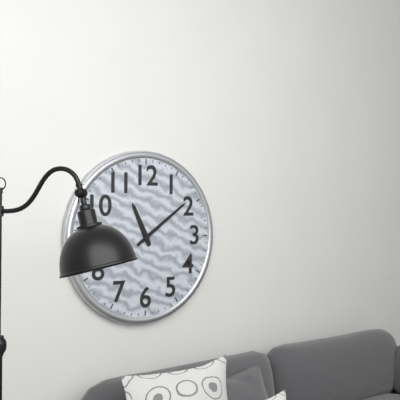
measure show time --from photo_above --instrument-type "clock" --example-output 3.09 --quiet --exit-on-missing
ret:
11.09
